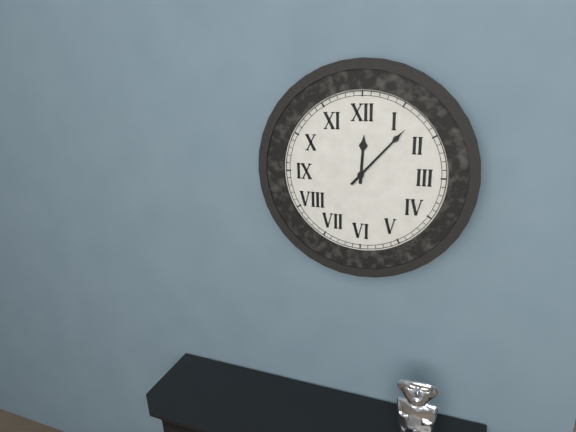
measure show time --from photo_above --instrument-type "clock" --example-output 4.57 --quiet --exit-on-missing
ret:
12.07
